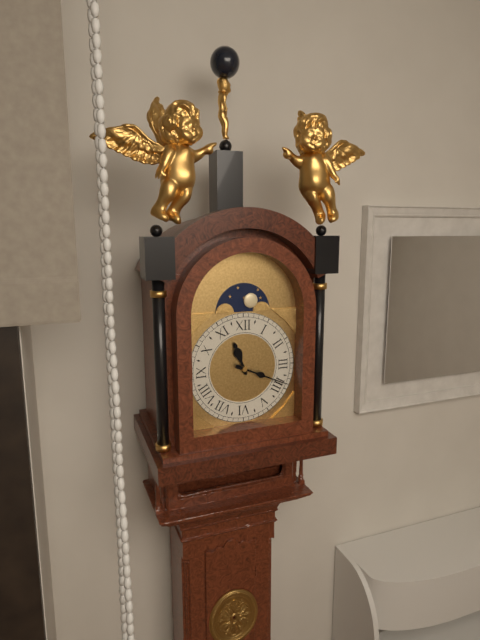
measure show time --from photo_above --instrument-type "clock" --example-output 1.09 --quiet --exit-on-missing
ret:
11.19
